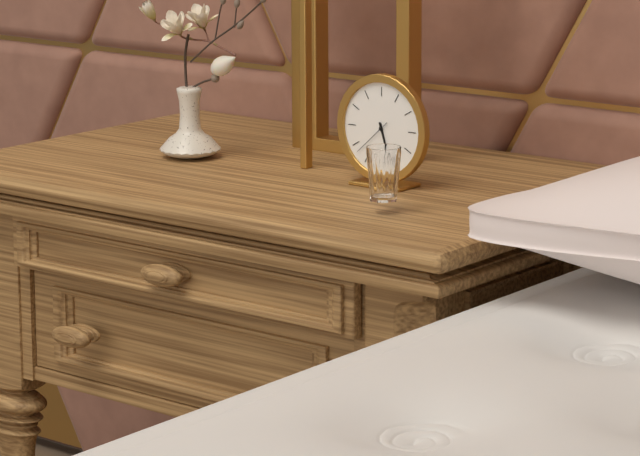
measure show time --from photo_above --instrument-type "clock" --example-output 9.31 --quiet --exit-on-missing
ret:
5.27
